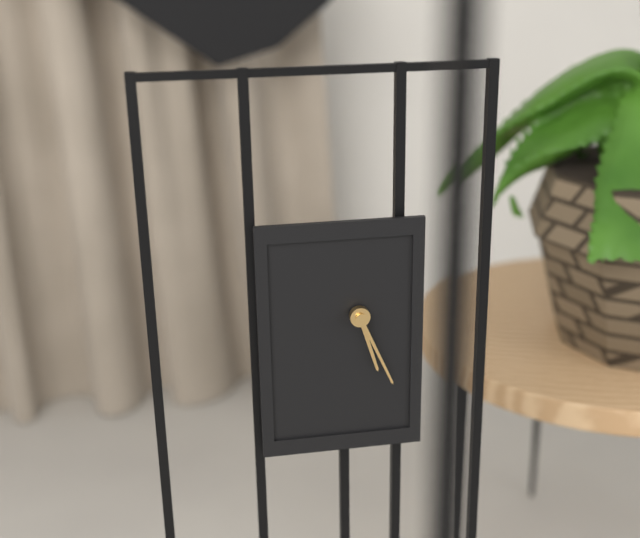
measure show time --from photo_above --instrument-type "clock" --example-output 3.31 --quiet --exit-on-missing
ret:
5.26
